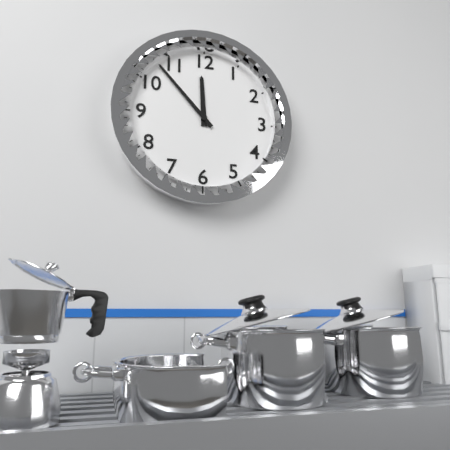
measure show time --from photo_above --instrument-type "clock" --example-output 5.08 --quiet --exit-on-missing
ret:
11.53
